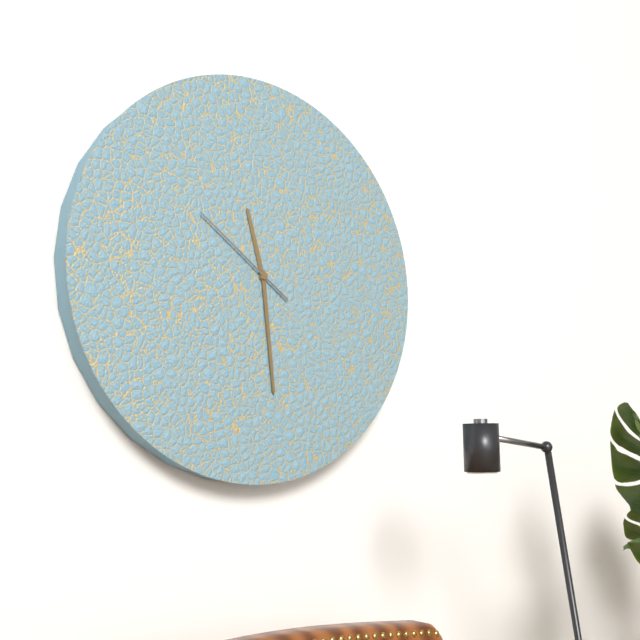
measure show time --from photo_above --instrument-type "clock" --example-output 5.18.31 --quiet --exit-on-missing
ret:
11.29.51
